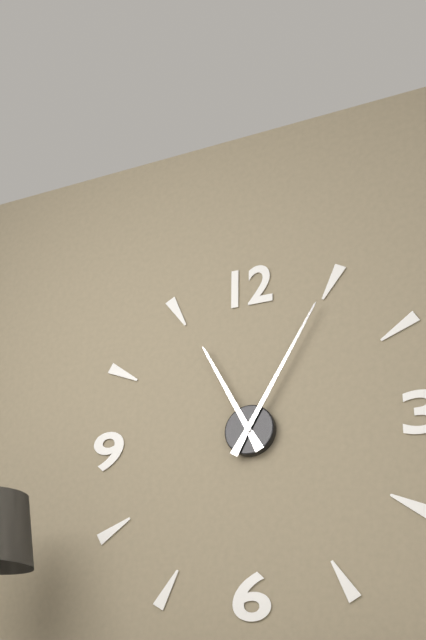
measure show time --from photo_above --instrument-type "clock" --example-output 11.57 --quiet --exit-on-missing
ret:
11.05
